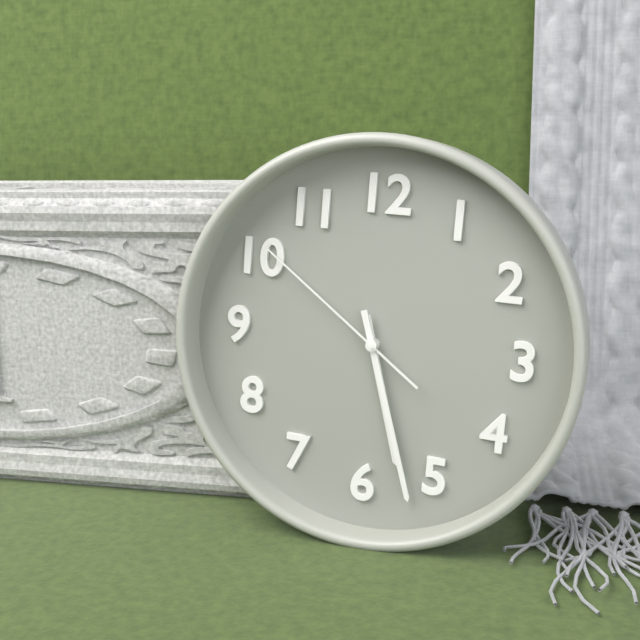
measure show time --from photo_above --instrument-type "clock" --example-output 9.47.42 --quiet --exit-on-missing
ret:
5.27.51
